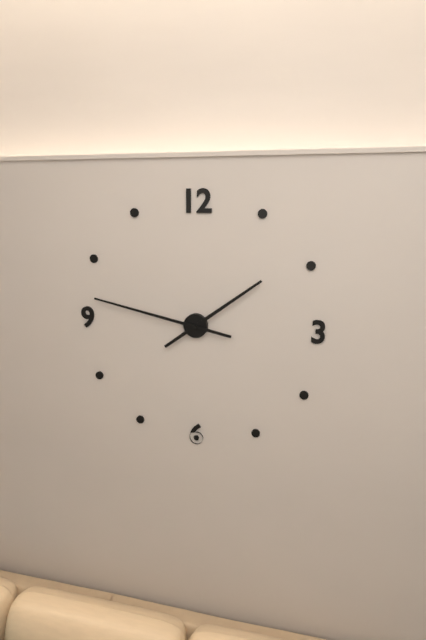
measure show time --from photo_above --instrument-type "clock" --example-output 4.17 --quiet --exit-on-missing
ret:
1.47
